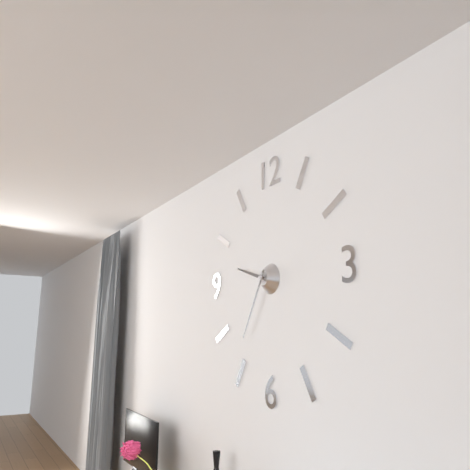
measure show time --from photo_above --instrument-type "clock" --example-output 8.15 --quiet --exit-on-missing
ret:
9.35
